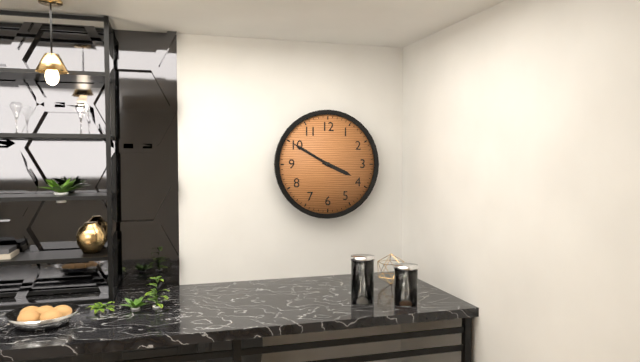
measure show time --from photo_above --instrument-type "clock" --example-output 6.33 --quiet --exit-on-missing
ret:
3.50
